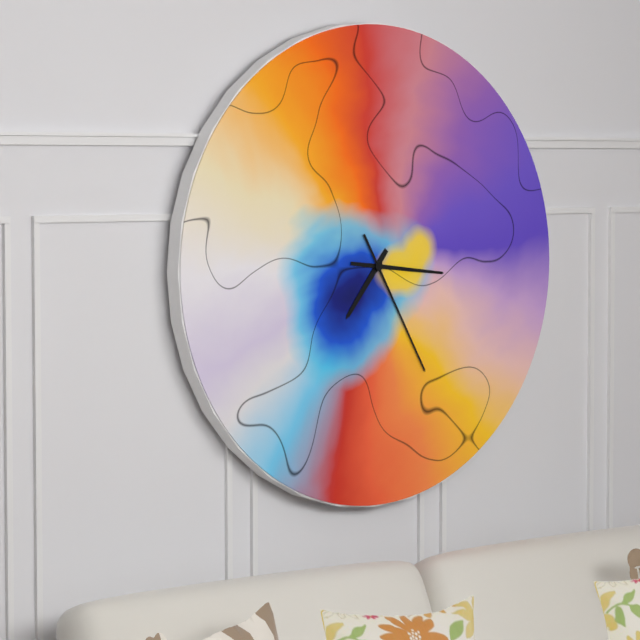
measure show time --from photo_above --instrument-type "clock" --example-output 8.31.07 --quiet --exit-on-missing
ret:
7.16.25
